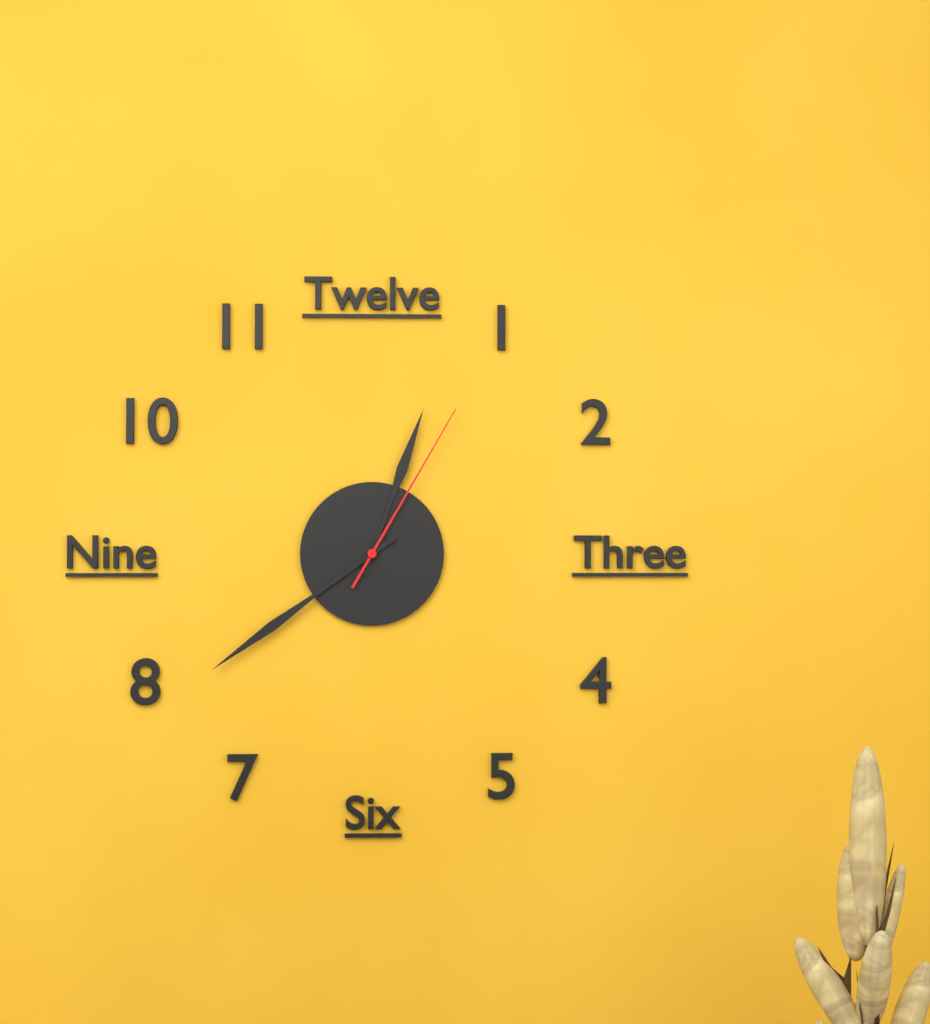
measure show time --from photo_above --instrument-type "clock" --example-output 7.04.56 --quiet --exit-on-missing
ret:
12.39.05
